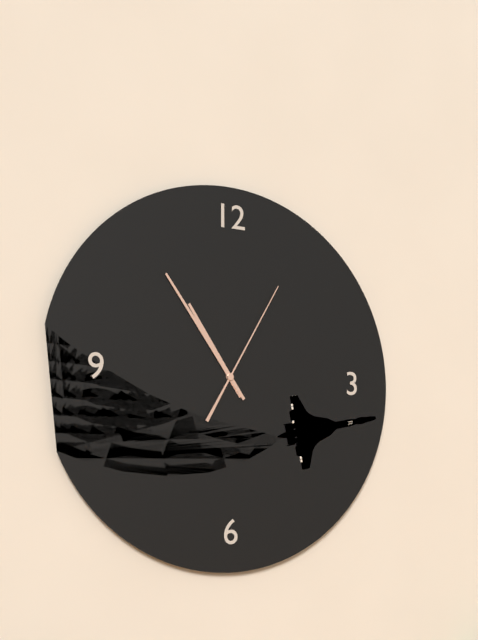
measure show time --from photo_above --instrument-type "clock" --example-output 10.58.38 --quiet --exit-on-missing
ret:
10.54.05
